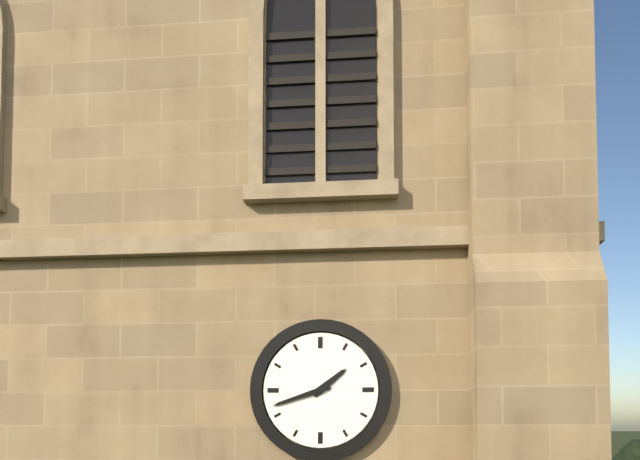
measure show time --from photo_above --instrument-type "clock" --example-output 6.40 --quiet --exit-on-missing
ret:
1.42
